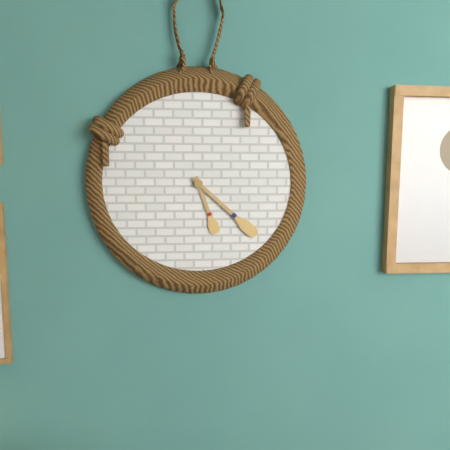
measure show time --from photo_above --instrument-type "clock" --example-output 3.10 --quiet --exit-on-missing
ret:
5.22
